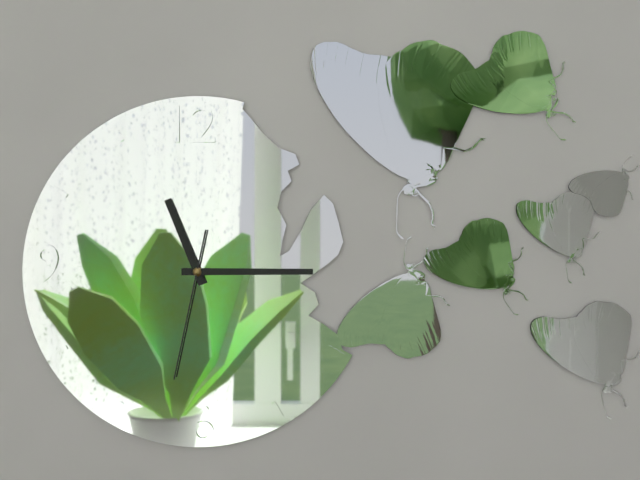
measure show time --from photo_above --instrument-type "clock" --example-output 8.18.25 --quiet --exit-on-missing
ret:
11.15.32
